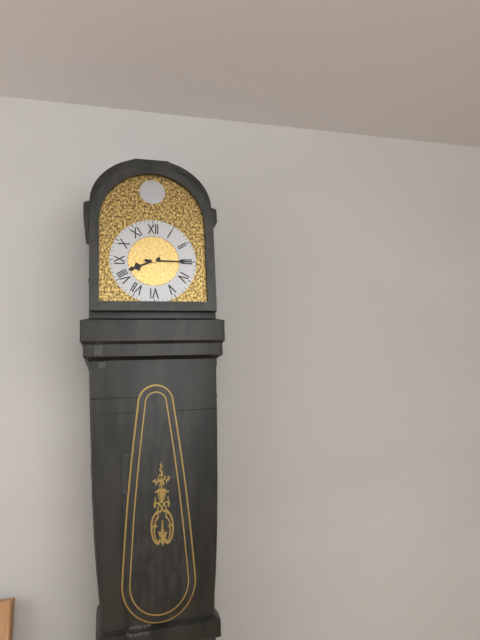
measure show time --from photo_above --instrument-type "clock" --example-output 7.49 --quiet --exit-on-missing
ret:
8.15
